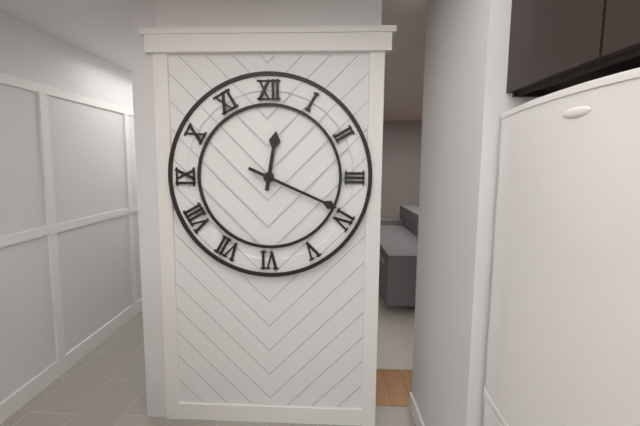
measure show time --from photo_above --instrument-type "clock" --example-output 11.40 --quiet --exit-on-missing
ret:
12.19
